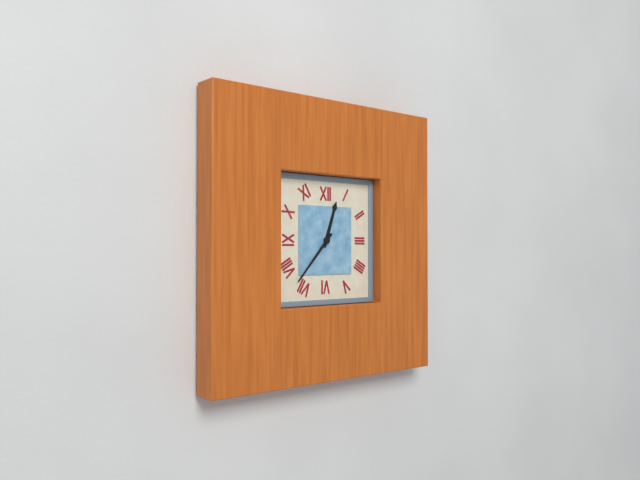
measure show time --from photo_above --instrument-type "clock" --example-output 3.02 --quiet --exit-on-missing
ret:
12.37
